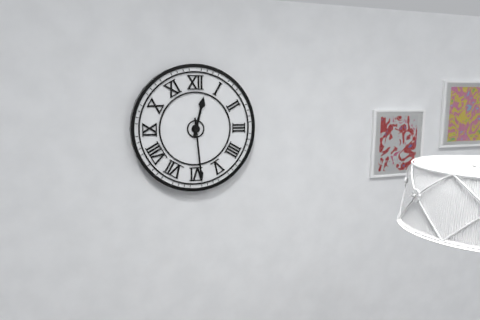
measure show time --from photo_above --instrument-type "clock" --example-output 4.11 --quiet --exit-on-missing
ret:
12.29
